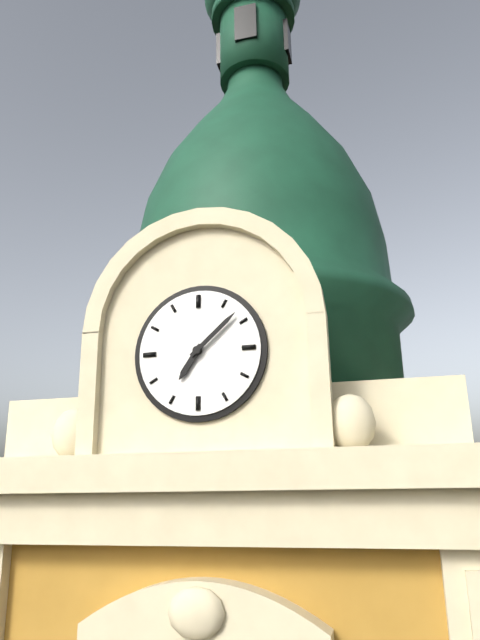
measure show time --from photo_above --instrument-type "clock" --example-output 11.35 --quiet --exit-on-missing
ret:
7.08
